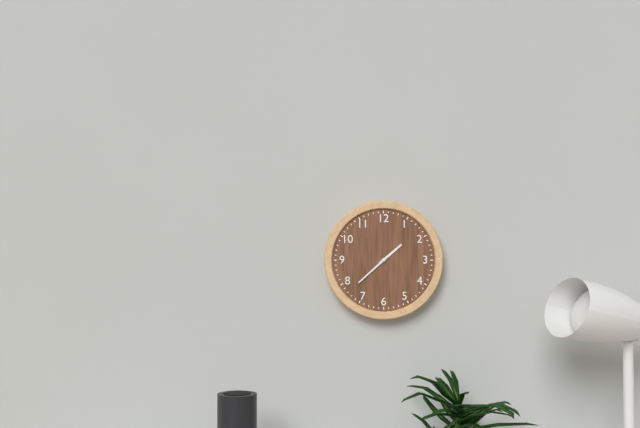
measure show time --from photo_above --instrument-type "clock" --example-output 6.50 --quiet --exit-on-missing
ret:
1.38
